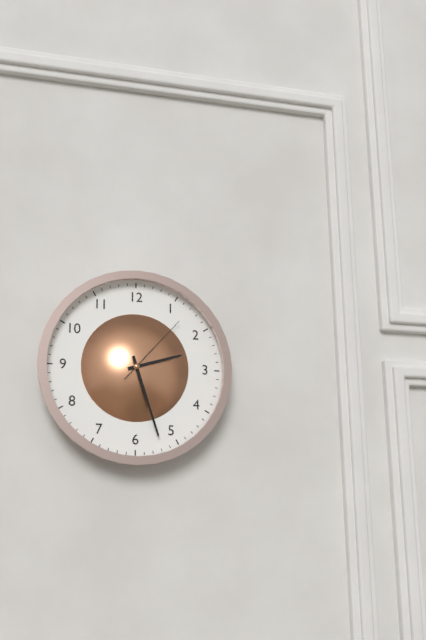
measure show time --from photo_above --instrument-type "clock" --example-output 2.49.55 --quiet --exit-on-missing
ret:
2.27.07
